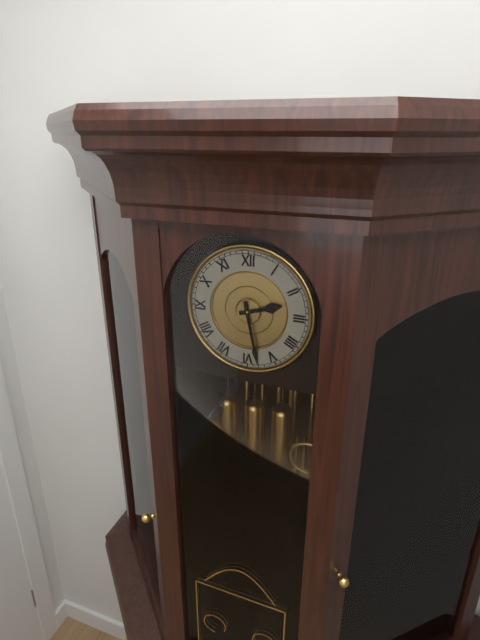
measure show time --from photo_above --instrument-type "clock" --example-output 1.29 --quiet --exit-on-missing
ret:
2.28
